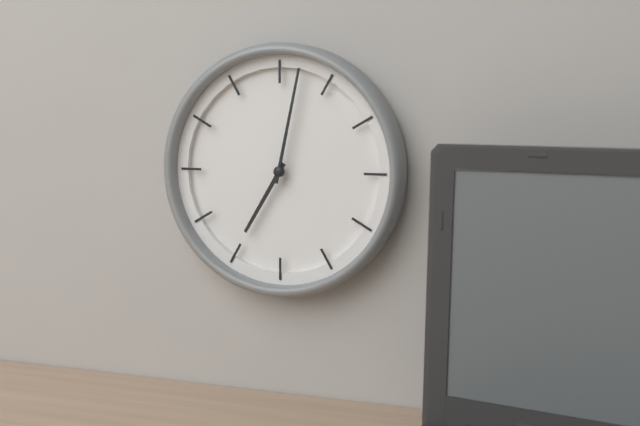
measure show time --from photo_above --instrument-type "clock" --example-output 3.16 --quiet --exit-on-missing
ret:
7.02
